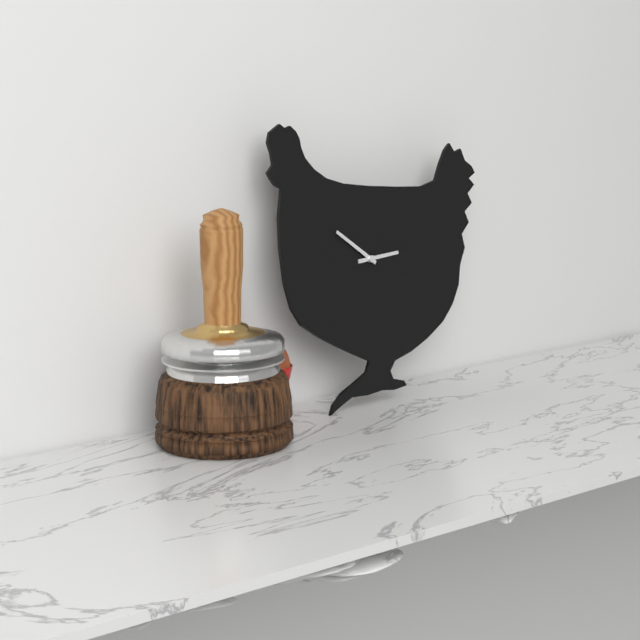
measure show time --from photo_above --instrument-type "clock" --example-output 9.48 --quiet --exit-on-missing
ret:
2.51
